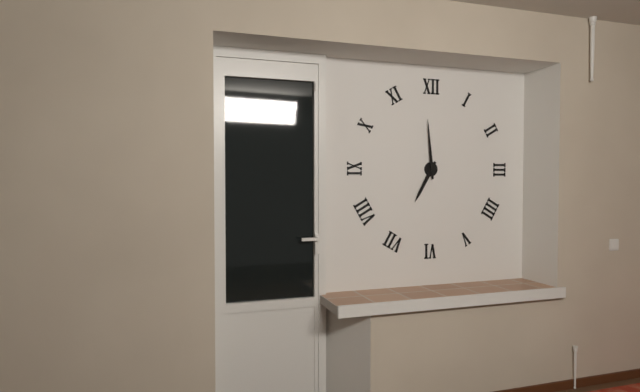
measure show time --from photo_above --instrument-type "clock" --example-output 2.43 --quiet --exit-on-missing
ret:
6.59
